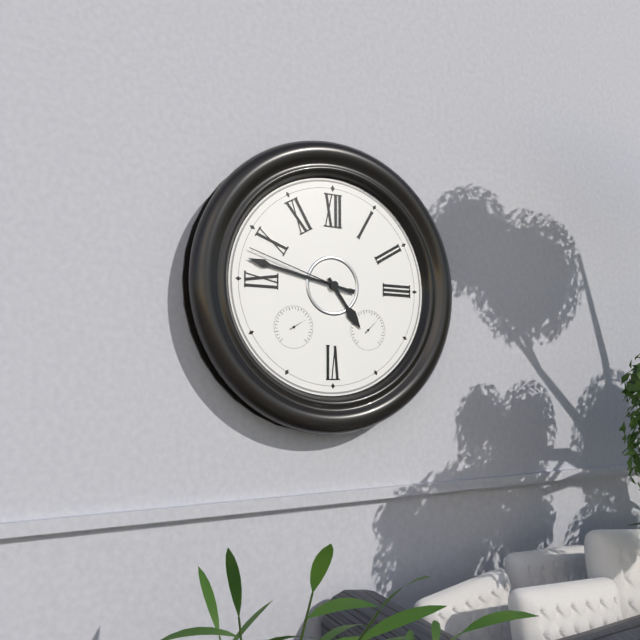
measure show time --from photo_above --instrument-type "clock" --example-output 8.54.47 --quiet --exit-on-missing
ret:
4.47.48
